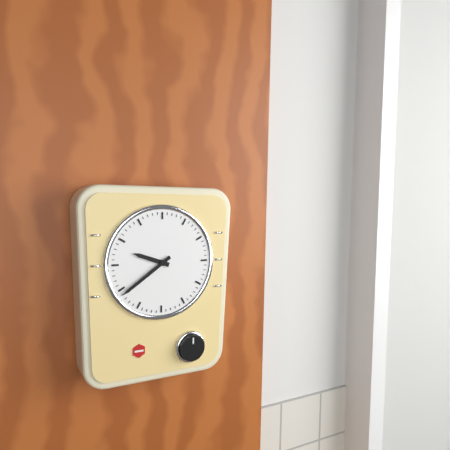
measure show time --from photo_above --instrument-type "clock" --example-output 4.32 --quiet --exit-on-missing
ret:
9.39
